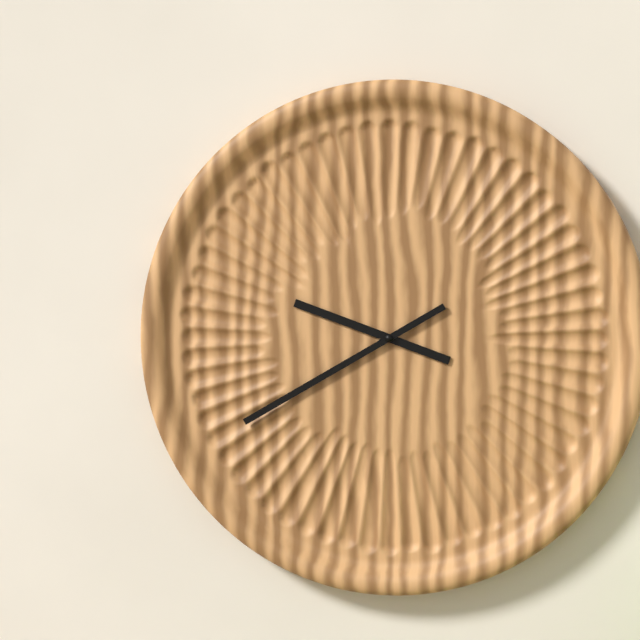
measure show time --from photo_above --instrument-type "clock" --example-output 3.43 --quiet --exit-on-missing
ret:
9.40
